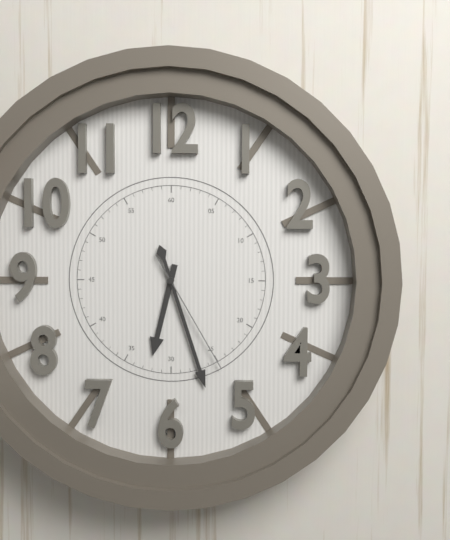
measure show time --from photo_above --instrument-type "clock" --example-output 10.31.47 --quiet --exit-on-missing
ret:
6.27.25
